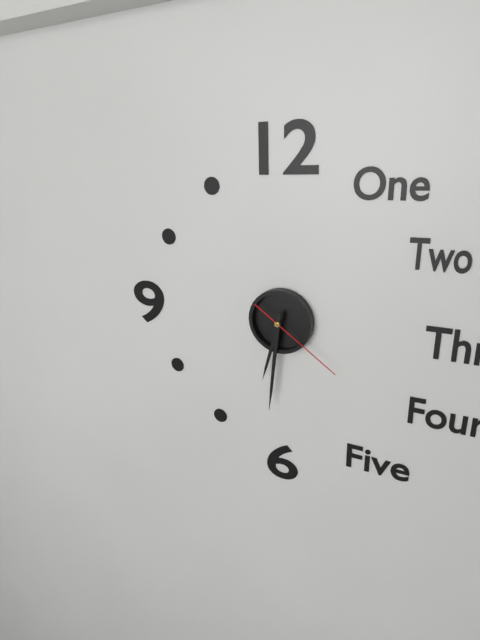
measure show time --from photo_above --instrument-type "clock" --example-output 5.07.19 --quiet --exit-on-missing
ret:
6.31.21
